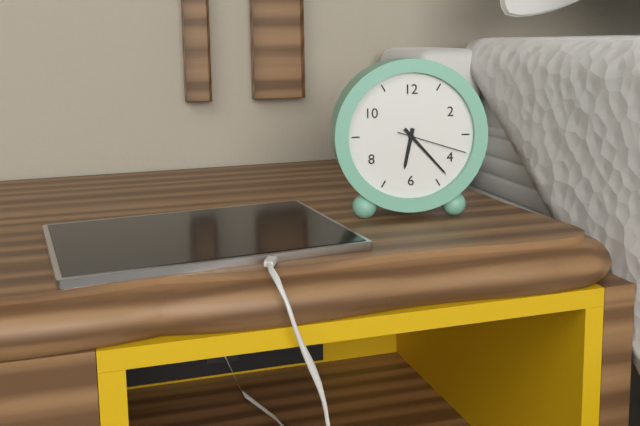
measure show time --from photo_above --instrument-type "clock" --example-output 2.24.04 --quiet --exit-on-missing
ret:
6.23.18
